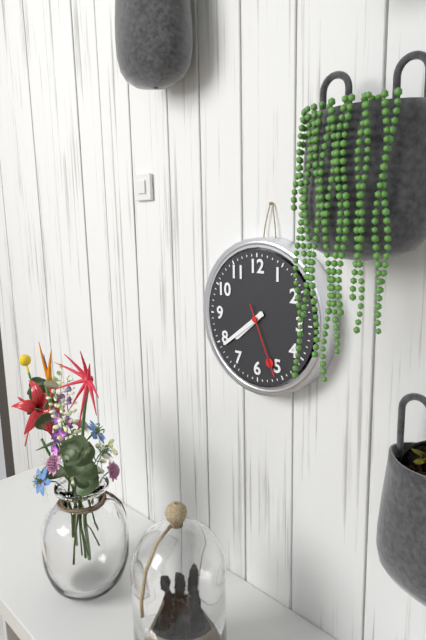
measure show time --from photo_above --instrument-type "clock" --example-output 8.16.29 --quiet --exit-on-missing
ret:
7.39.26
